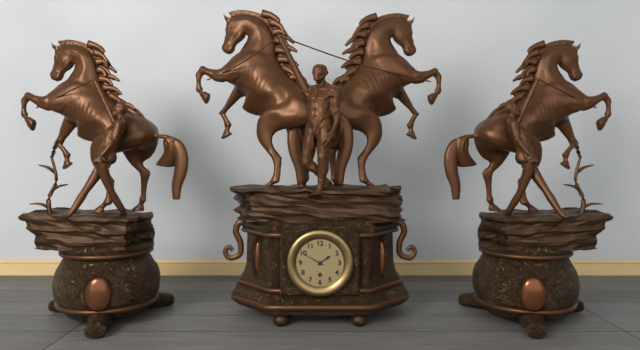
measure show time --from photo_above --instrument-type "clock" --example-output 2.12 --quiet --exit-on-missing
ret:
1.50
